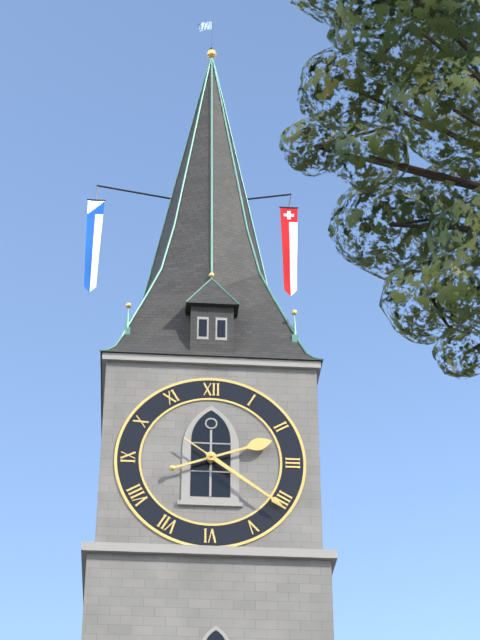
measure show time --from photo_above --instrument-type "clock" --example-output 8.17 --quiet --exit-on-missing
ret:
2.21
